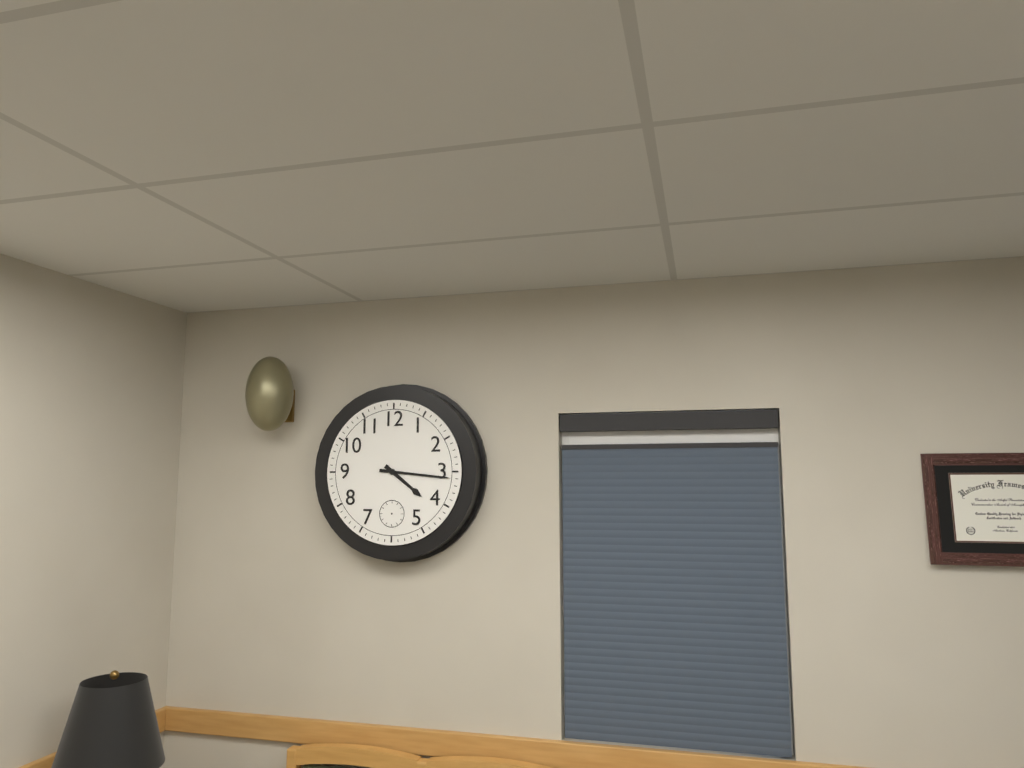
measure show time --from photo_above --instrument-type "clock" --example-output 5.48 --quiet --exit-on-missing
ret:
4.16
